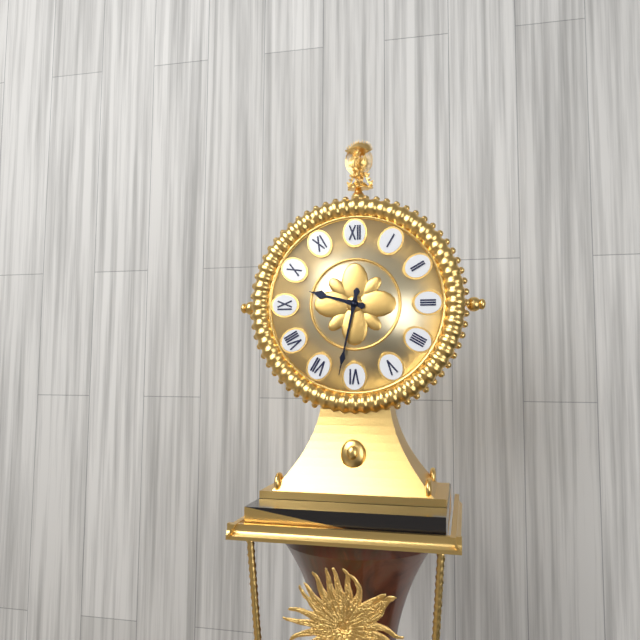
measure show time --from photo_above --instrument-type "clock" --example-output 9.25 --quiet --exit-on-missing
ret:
9.32
